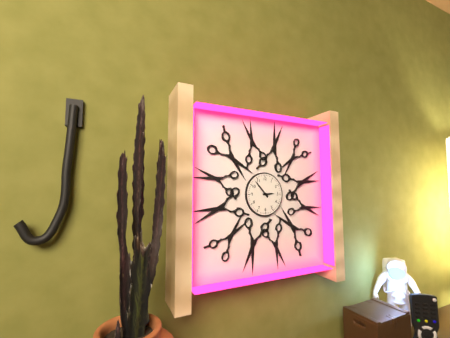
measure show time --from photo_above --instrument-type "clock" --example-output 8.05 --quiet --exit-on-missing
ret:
2.53
